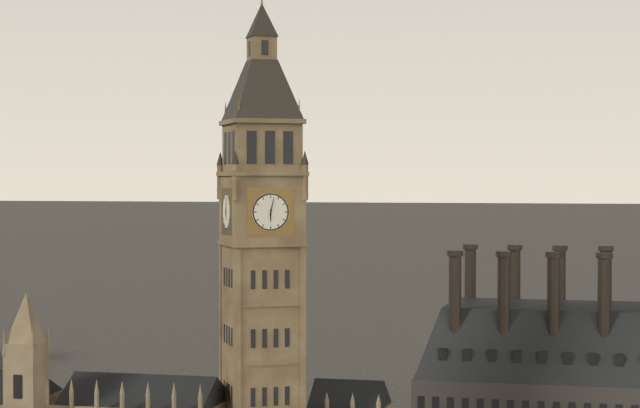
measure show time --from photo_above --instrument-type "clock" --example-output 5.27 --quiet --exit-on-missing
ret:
6.02
